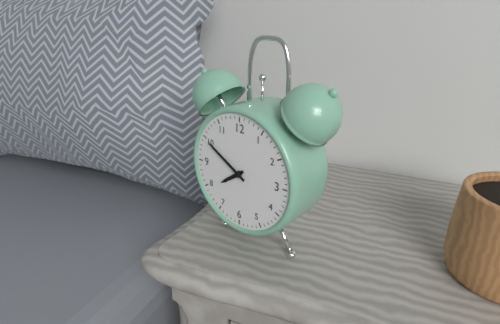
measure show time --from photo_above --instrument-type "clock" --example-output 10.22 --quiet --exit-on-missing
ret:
7.50
